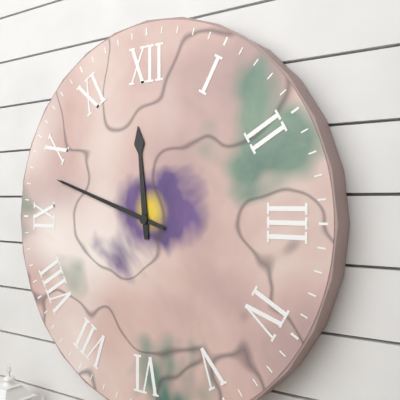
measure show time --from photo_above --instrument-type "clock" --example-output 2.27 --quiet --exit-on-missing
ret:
11.48
